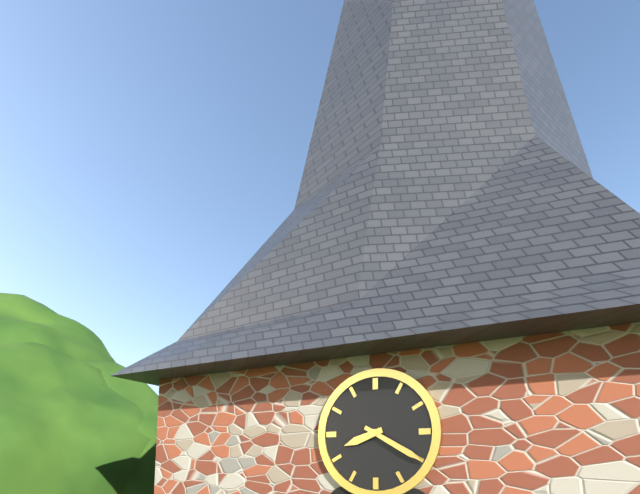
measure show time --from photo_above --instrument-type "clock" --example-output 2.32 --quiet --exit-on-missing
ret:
8.20
